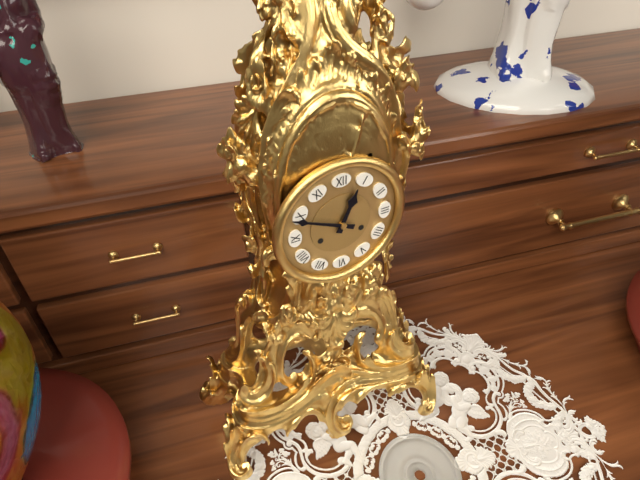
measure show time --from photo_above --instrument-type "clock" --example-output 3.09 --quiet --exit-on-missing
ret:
12.49
